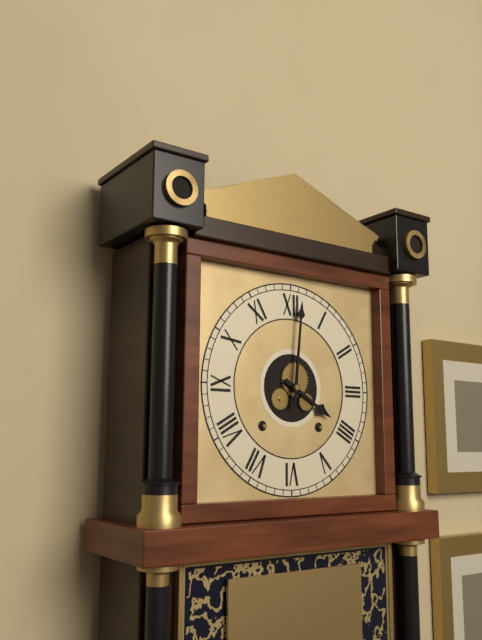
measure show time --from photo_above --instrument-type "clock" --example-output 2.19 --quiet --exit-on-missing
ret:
4.01
